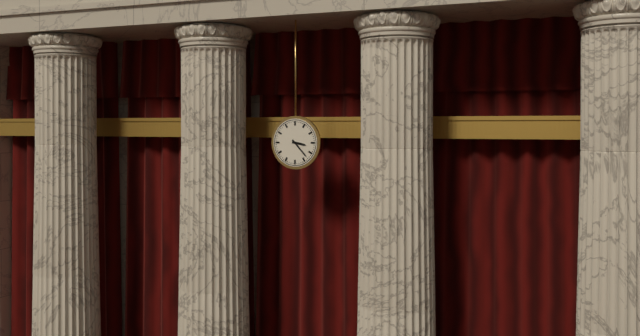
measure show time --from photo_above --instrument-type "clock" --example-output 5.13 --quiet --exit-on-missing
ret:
3.23
